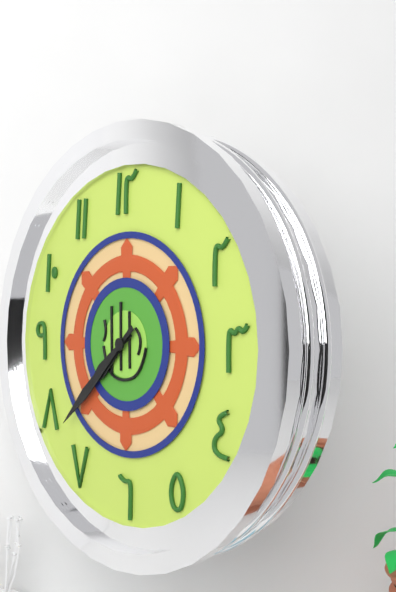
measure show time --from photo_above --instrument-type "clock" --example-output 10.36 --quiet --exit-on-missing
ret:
7.38
